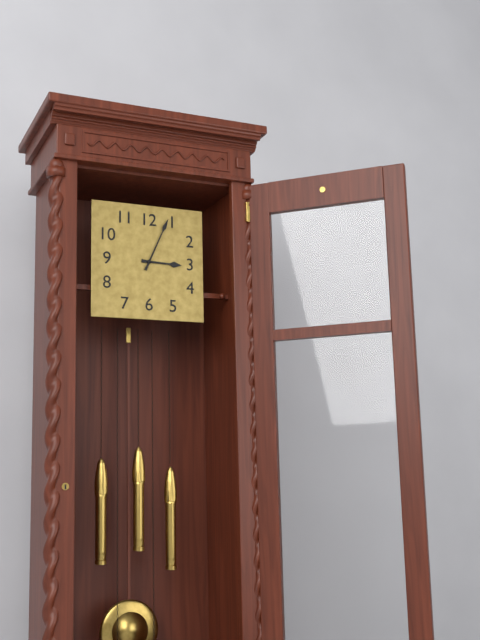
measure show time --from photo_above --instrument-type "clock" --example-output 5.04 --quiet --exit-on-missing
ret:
3.04
